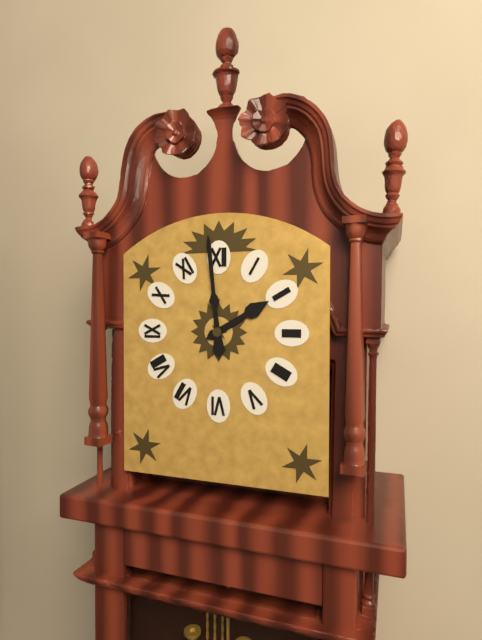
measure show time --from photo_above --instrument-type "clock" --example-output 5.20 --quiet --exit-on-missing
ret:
1.59
